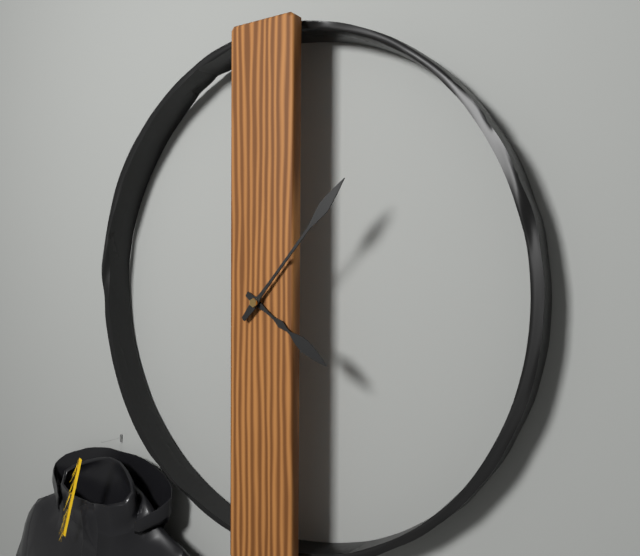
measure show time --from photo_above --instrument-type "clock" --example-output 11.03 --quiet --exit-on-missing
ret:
4.07
